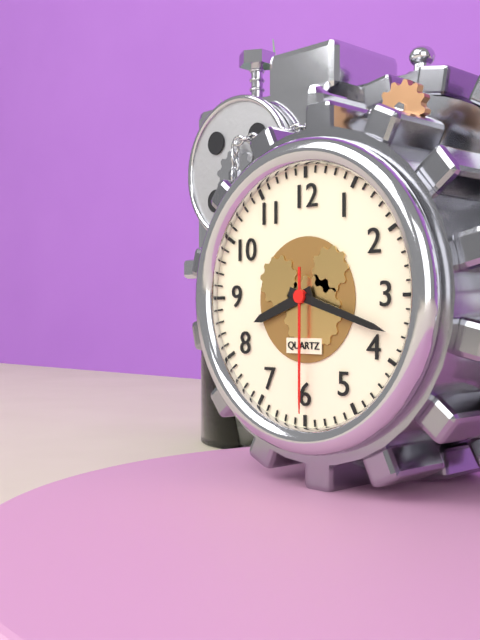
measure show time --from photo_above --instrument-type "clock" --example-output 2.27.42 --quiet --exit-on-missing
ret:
8.18.30
